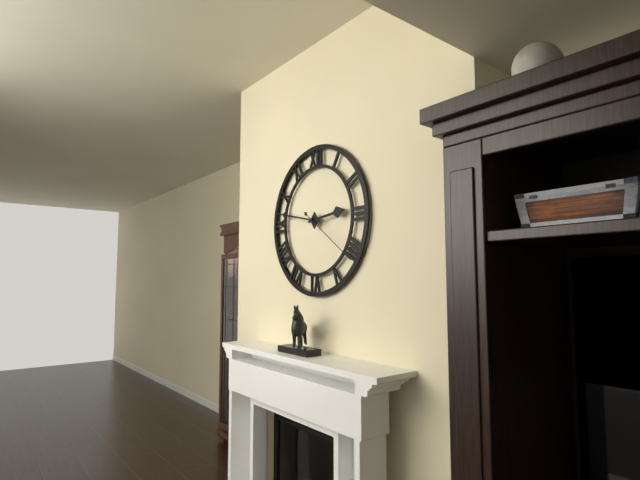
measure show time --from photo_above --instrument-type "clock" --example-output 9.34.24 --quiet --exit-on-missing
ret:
2.47.21
